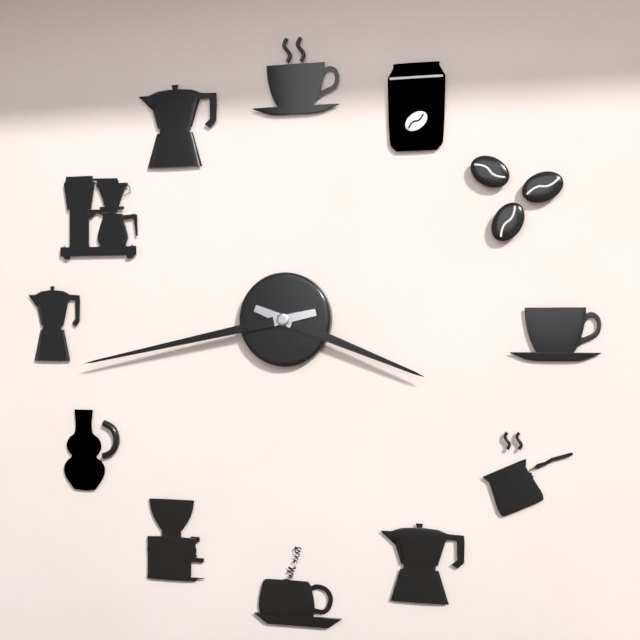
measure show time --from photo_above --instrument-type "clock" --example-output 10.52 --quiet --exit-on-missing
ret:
3.43
